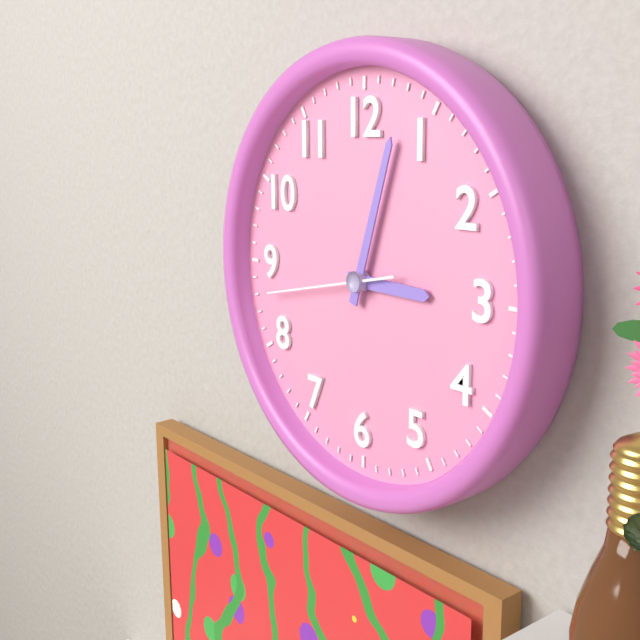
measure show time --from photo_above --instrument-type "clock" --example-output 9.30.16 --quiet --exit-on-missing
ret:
3.03.43
